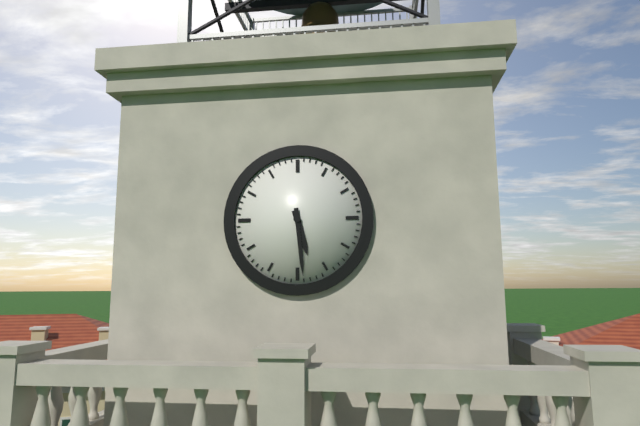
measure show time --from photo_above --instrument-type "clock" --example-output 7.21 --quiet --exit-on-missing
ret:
5.29
